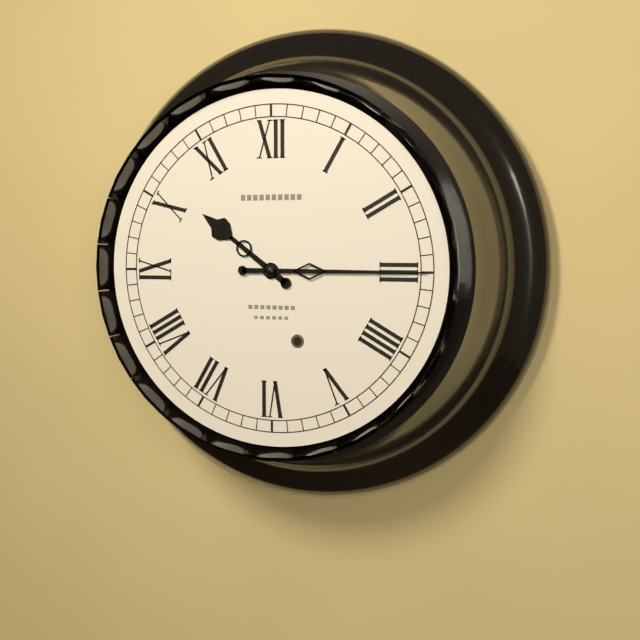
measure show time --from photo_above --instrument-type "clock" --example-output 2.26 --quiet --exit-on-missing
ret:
10.15
